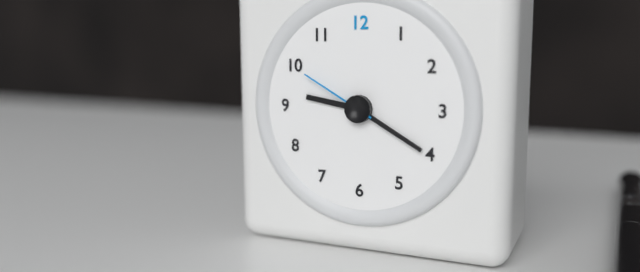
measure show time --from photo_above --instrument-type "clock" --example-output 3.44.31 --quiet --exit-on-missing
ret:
9.20.50
